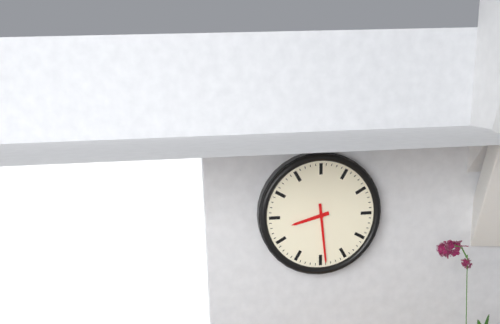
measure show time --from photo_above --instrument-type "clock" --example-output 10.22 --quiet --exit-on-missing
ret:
8.29
